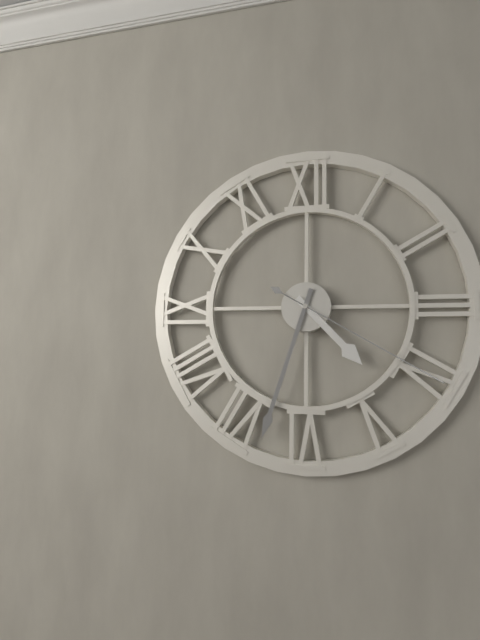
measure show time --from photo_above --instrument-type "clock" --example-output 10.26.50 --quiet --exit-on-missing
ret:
4.33.20
